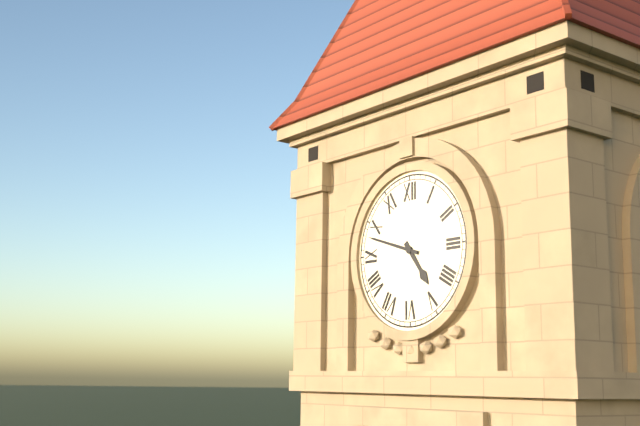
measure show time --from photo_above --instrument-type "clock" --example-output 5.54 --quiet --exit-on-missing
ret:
4.48
